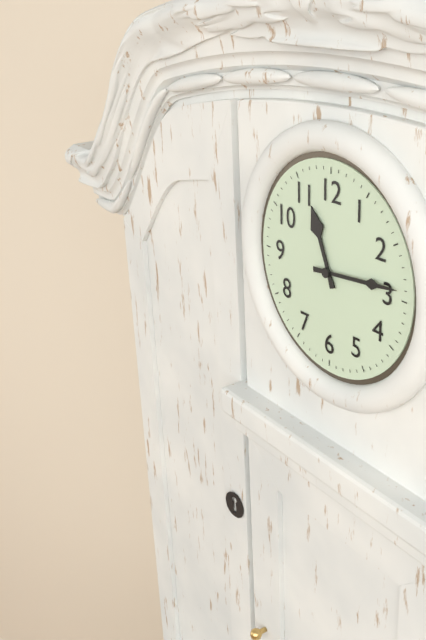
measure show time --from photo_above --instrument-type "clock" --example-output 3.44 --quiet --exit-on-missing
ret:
11.14
